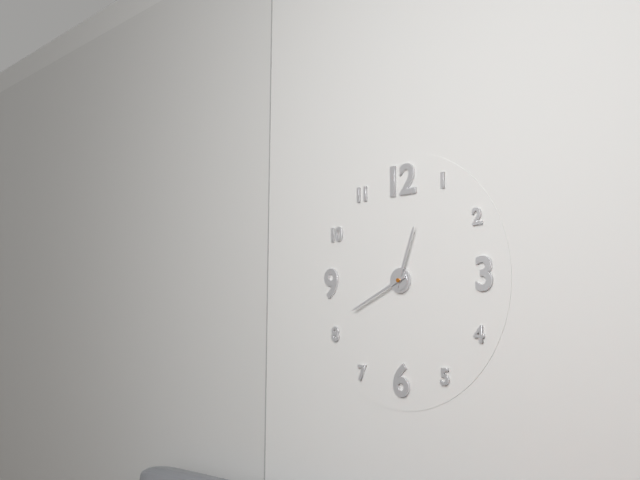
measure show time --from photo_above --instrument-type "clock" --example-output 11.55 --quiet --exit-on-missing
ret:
12.41
